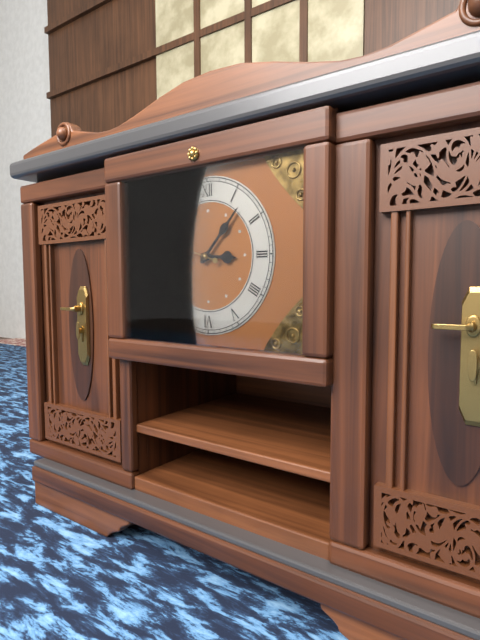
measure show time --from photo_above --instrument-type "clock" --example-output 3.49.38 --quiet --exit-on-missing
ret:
3.07.48
